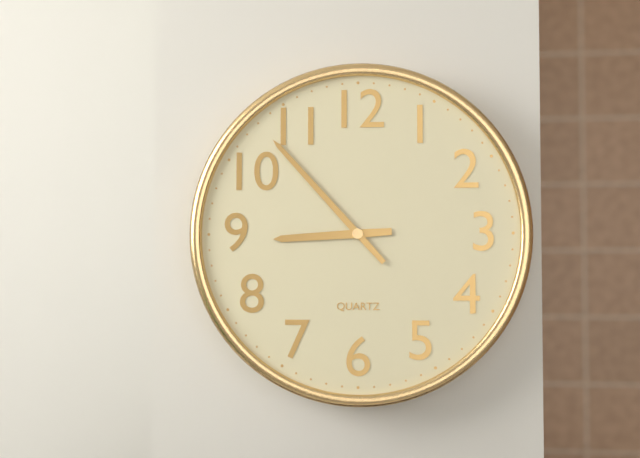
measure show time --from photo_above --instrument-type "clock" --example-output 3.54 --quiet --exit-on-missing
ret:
8.53
